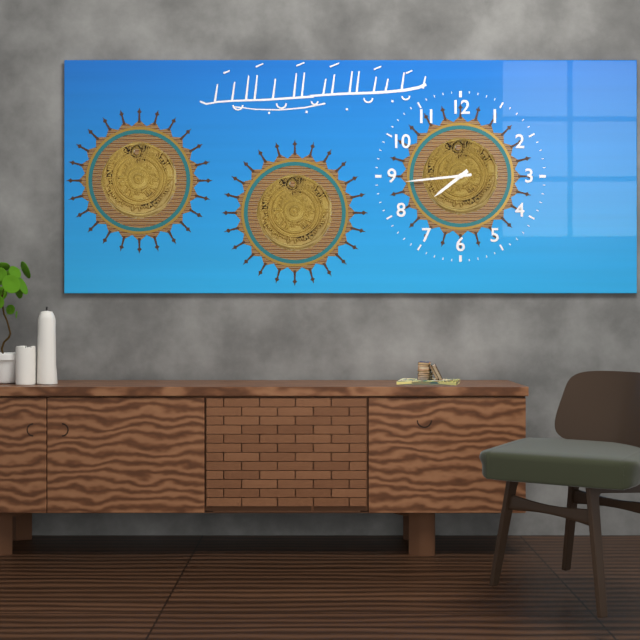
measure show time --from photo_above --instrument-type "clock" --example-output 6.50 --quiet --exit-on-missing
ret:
7.44
